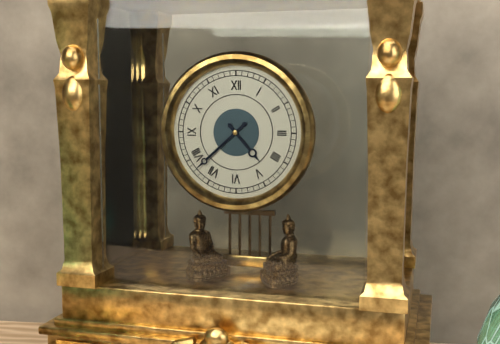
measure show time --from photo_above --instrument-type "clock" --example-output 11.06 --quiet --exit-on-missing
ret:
4.38
